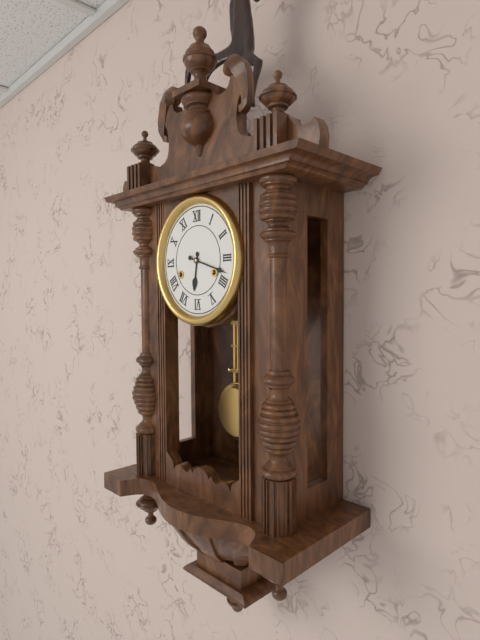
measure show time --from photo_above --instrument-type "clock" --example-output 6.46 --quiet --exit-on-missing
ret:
6.18
